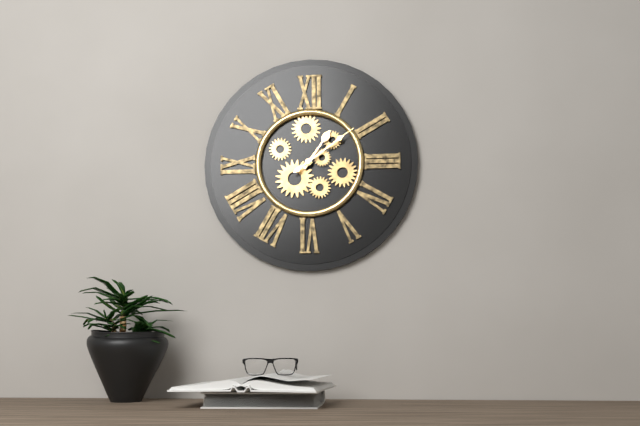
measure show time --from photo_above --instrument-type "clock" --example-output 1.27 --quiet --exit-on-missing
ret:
1.09
